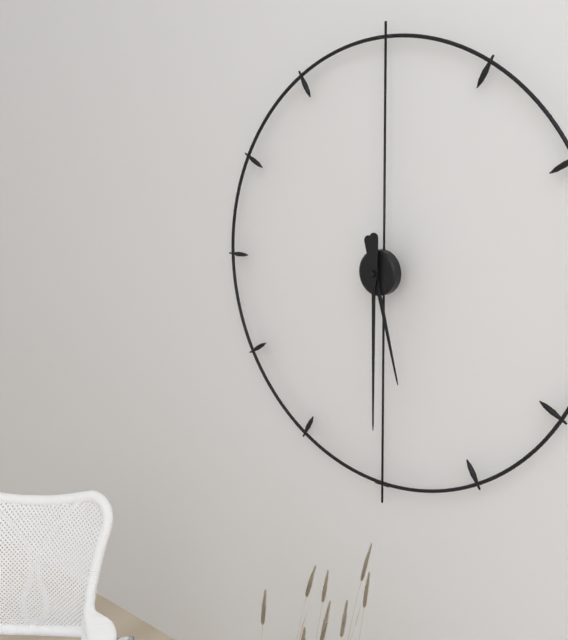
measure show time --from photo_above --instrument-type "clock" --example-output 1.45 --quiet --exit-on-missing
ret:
5.30
